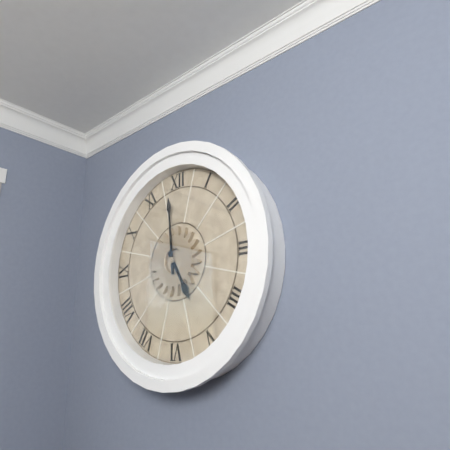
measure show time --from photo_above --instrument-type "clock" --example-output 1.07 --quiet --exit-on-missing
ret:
4.59
